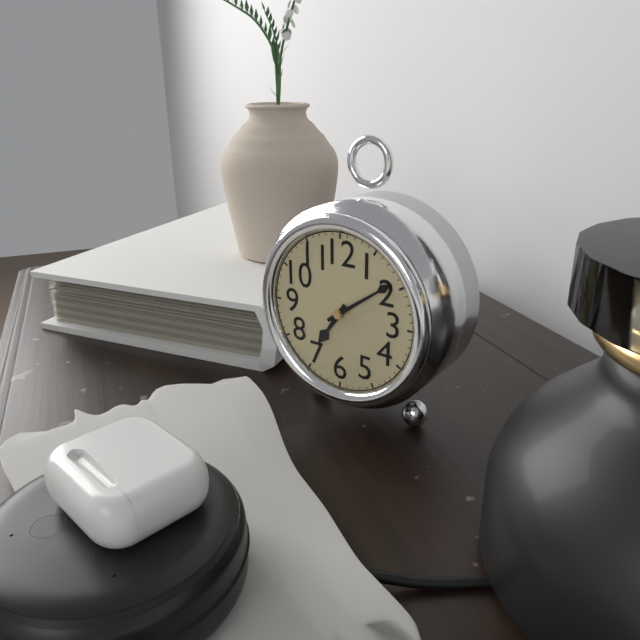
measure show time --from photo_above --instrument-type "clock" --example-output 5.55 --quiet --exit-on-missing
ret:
7.09
